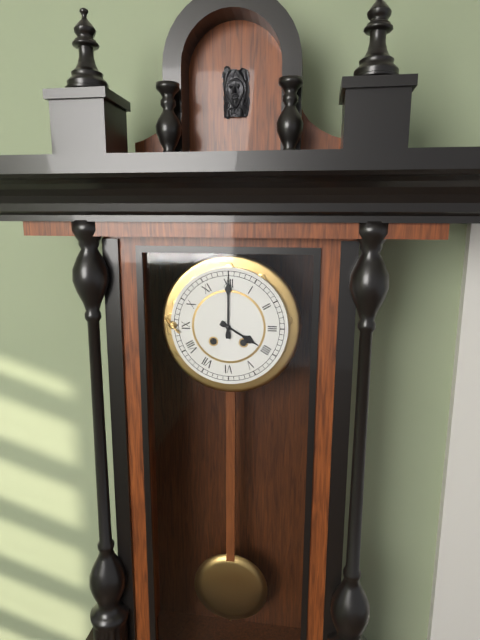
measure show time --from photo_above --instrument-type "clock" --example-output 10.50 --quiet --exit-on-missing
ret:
4.00
